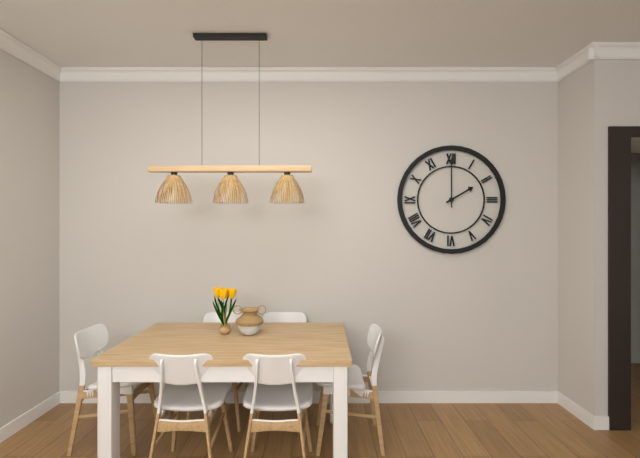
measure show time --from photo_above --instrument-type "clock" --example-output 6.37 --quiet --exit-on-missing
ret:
2.00
